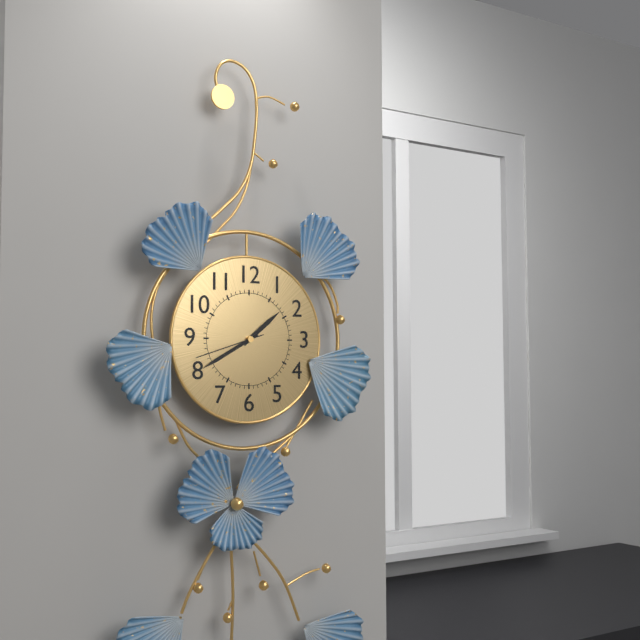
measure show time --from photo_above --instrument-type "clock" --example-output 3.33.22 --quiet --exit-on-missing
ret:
1.40.42
